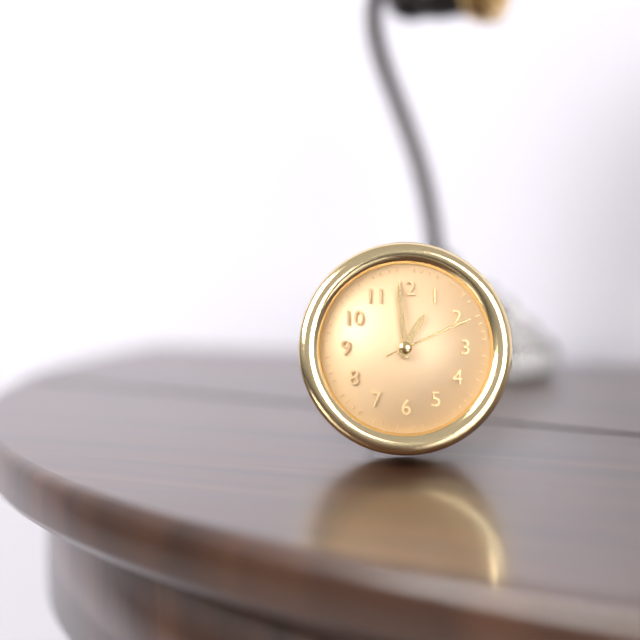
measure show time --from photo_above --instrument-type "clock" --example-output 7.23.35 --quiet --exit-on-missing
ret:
12.59.11
